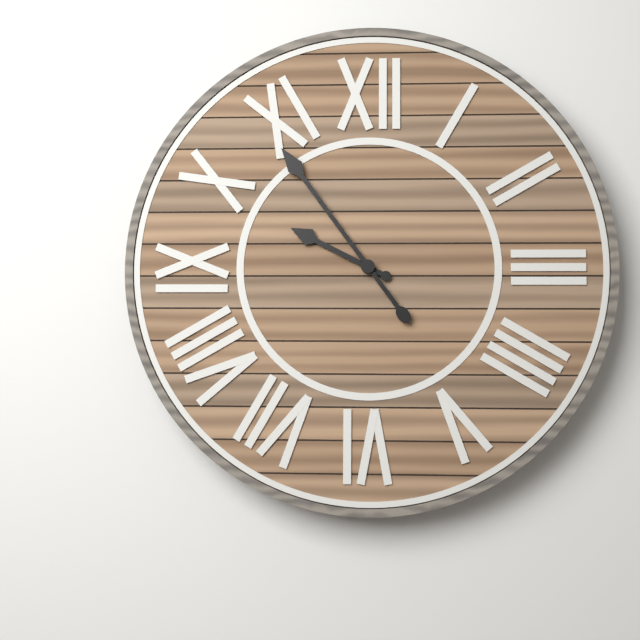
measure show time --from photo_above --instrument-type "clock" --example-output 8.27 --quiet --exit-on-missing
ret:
9.54
